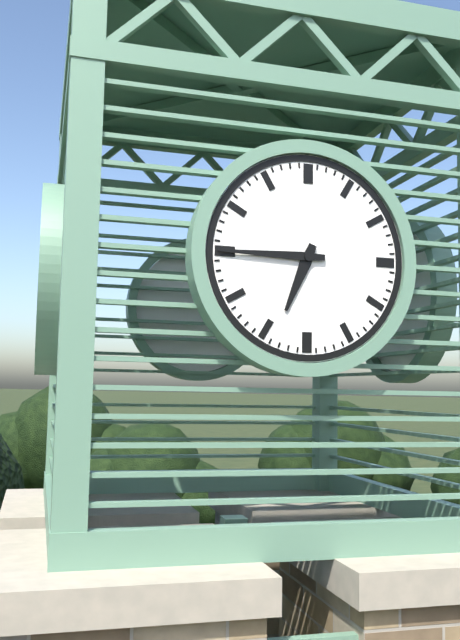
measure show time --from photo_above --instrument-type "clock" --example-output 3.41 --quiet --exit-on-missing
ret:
6.45
